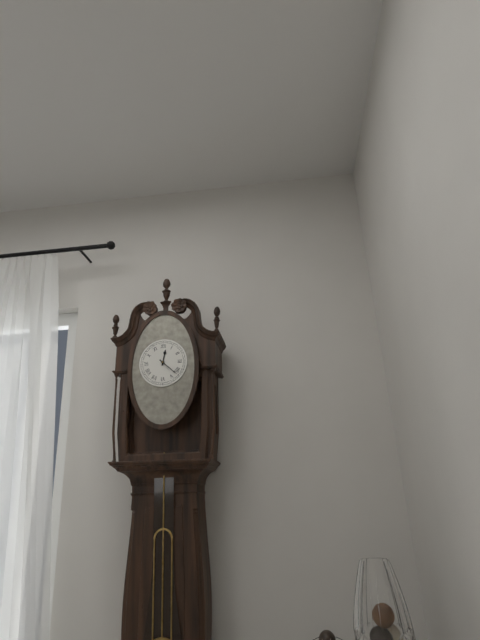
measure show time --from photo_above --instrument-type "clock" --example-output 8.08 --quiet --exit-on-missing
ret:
12.22
